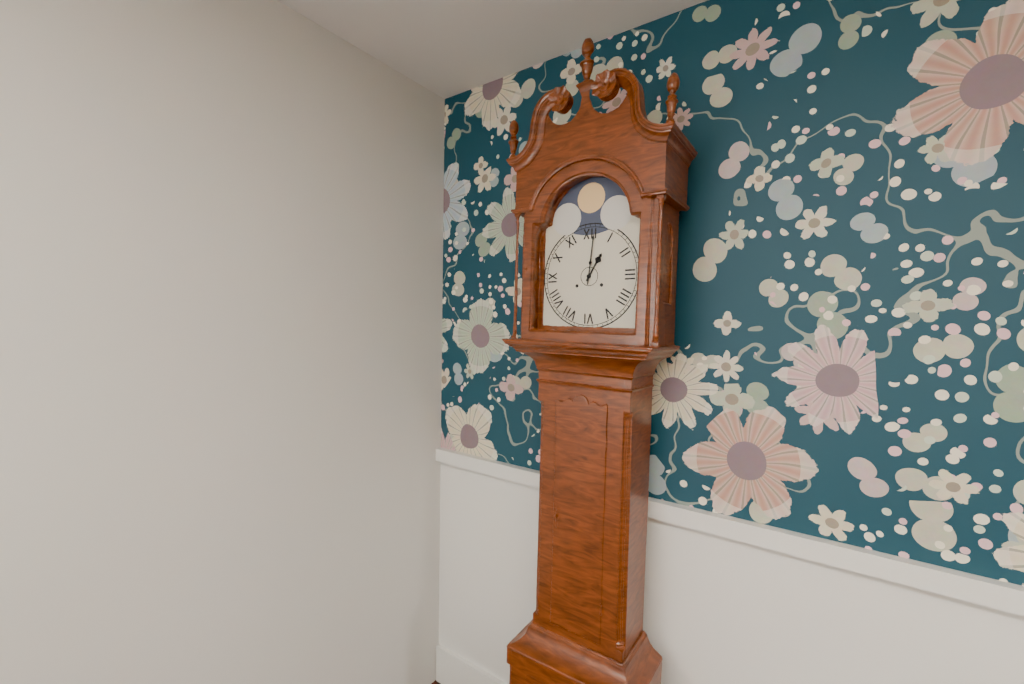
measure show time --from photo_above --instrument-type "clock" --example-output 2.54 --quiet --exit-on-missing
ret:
1.01
